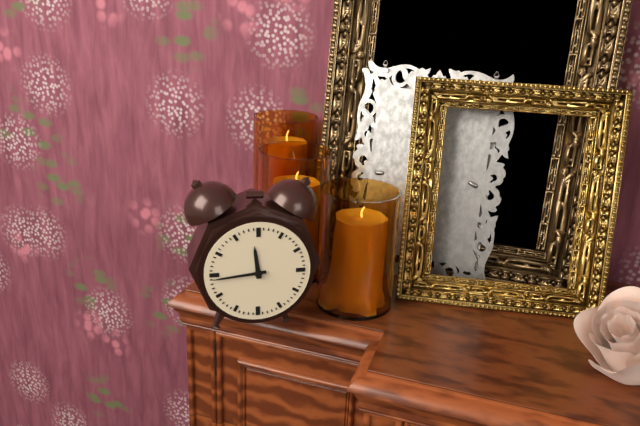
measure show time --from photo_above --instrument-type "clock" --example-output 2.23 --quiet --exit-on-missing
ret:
11.44
